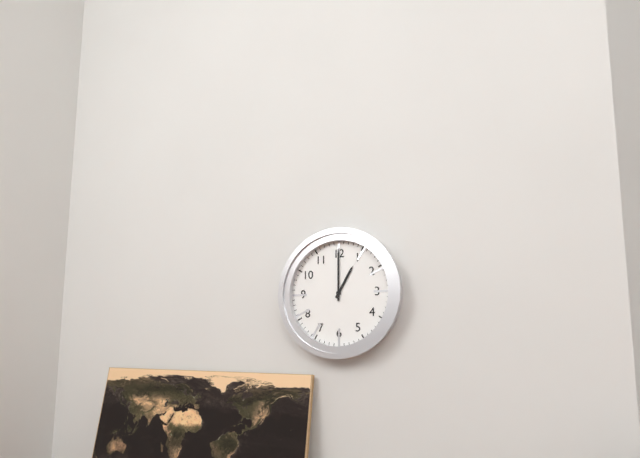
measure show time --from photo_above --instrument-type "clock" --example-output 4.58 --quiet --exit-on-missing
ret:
1.00
